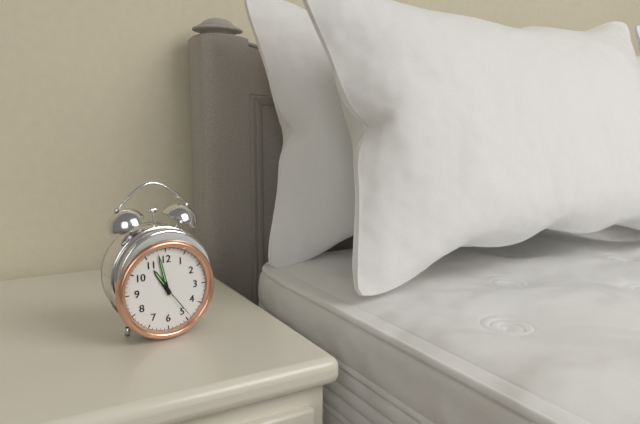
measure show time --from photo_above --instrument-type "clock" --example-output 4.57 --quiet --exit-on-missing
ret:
10.58
